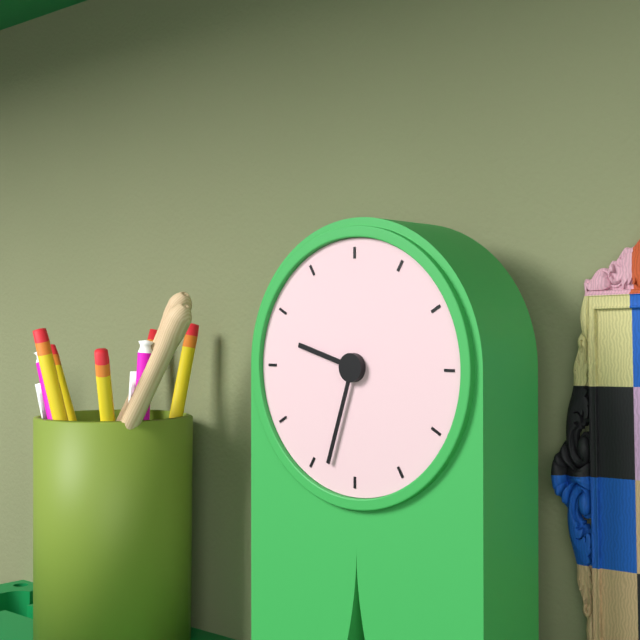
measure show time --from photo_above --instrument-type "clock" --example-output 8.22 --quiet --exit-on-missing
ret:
9.33
